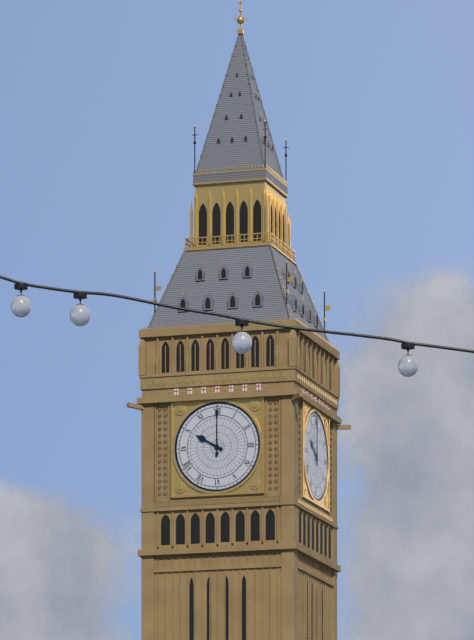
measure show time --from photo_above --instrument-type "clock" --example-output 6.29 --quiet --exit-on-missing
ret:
10.00
